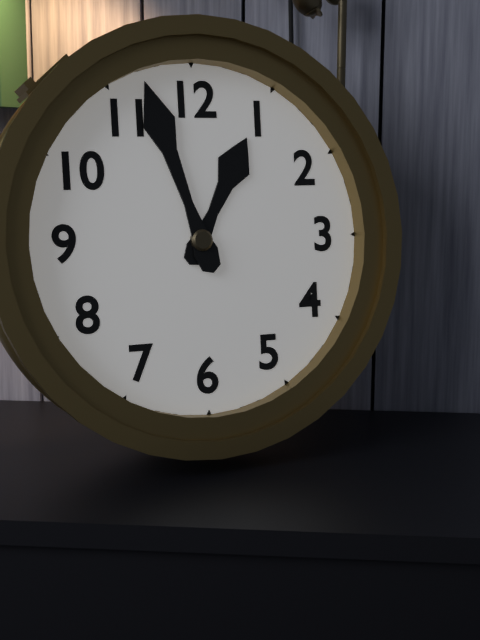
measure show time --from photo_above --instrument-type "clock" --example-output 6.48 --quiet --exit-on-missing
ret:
12.57
